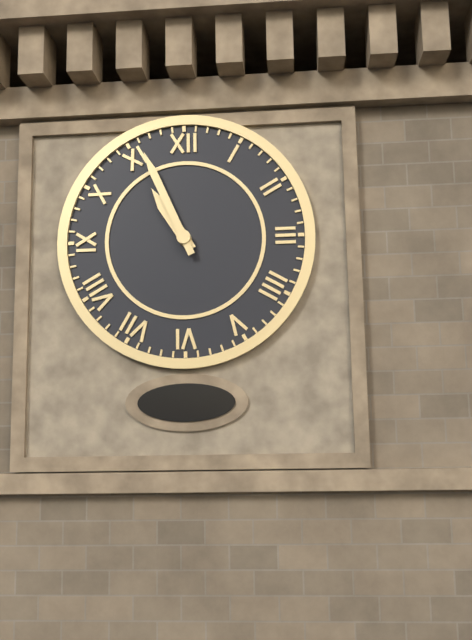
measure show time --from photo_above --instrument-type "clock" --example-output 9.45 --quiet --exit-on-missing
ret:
10.56
